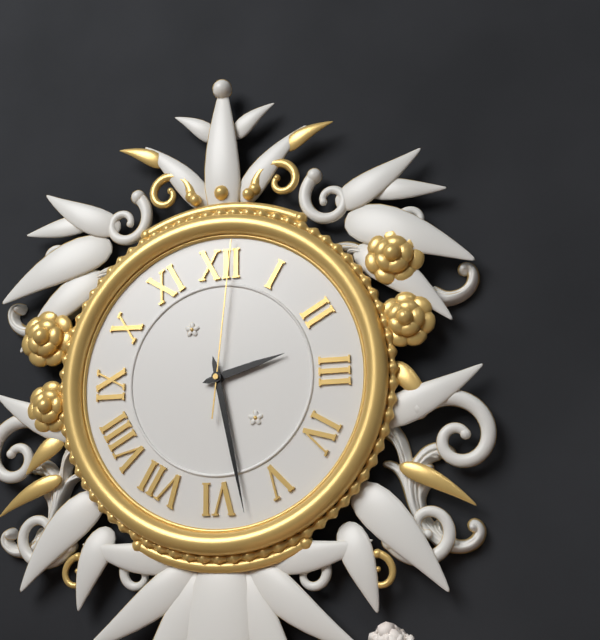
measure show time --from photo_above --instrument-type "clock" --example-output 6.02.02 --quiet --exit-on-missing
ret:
2.28.01
